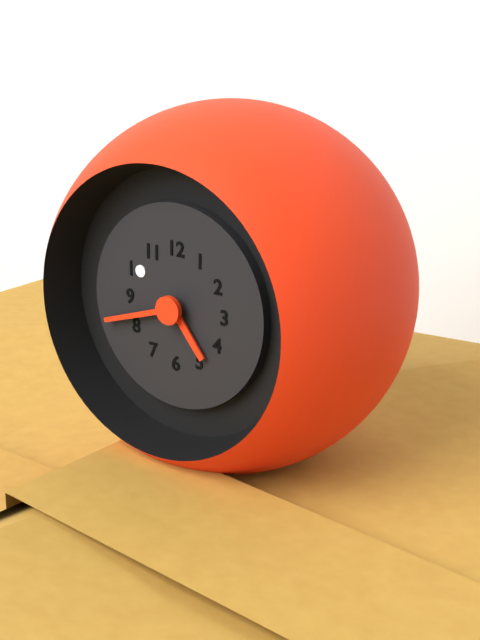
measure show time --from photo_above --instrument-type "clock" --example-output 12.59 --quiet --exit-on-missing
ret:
4.42
